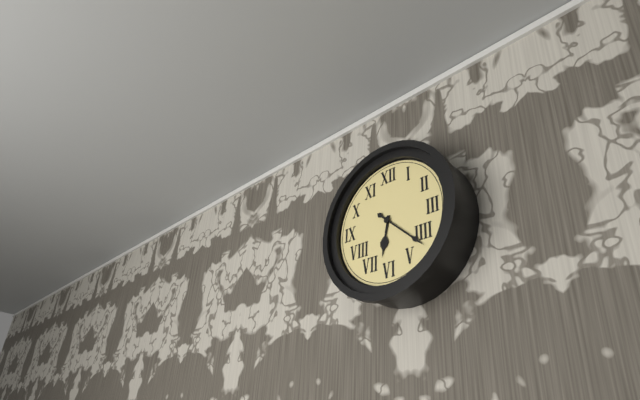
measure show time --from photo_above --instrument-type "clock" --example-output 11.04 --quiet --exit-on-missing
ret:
6.22
